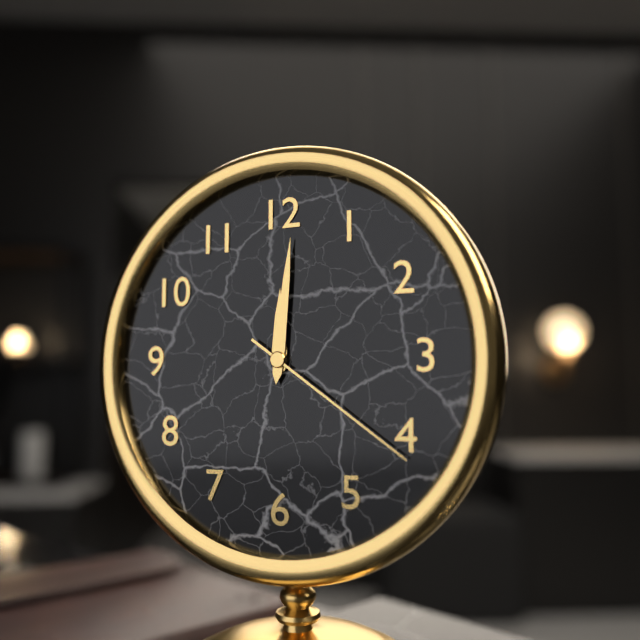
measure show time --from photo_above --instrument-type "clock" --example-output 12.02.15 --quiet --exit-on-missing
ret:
12.01.21
